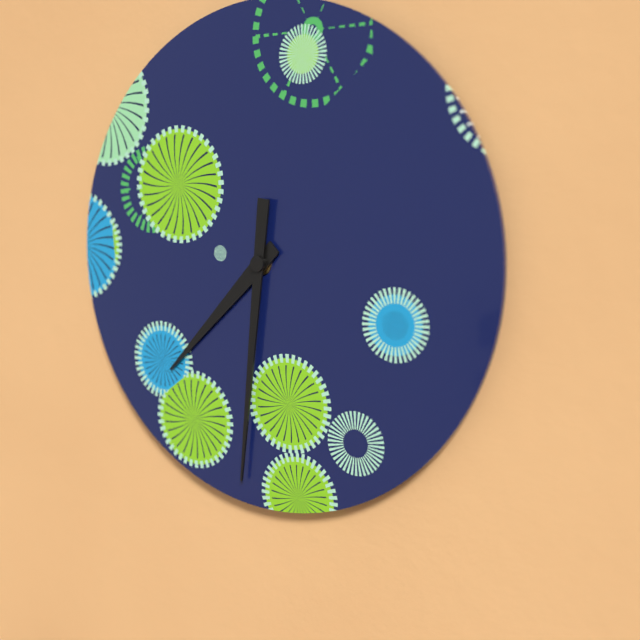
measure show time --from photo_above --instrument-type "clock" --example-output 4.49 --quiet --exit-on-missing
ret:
7.31
